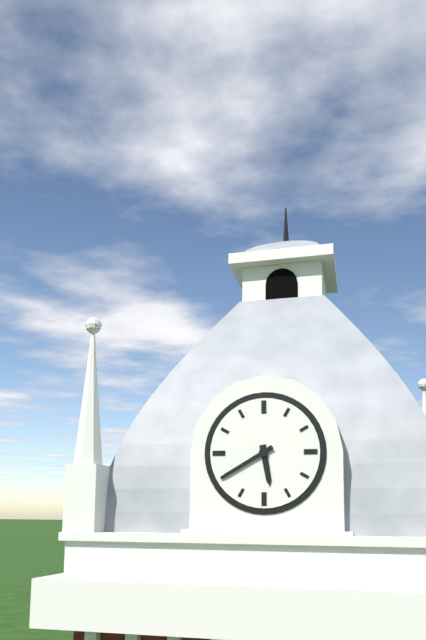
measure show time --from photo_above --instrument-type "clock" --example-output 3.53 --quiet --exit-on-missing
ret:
5.40
